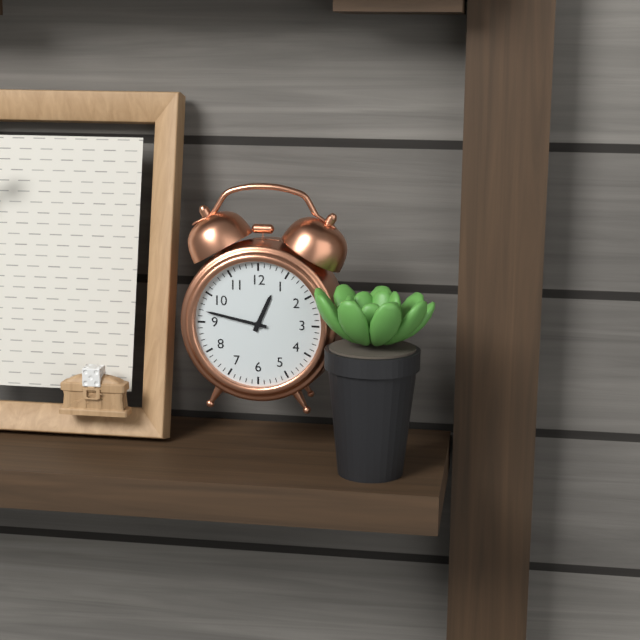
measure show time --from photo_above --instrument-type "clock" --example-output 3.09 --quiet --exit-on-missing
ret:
12.47
